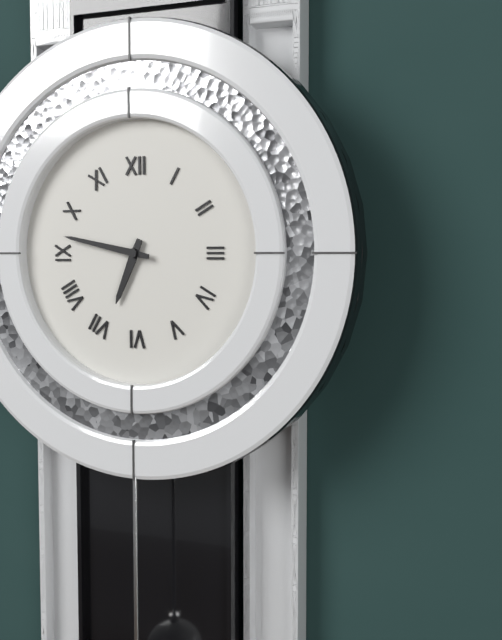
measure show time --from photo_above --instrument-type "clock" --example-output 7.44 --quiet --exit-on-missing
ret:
6.47
